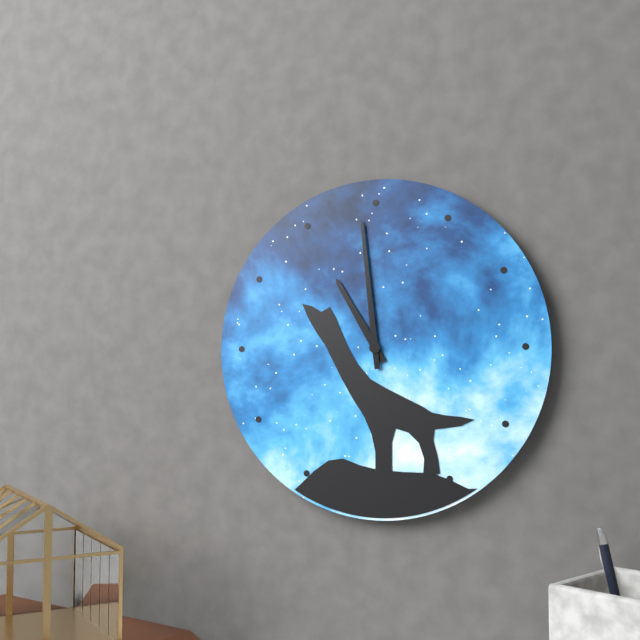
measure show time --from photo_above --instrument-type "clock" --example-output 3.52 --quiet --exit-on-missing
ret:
10.59
